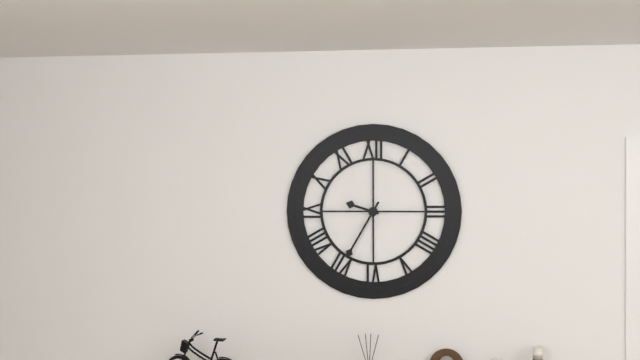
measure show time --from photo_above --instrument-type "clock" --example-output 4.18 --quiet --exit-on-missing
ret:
9.35
